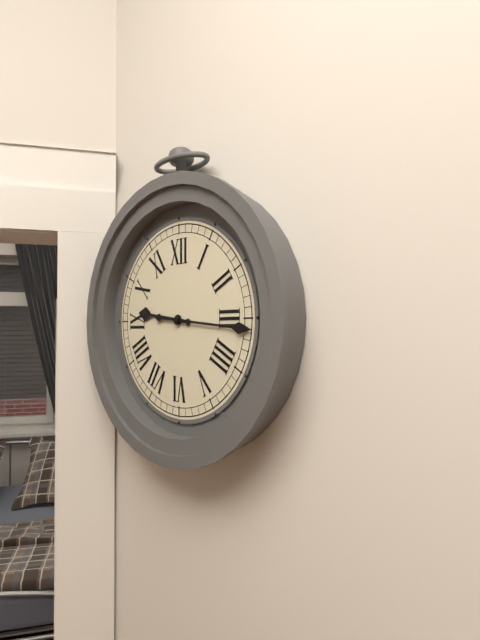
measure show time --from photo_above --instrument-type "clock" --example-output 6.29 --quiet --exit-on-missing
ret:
9.16
